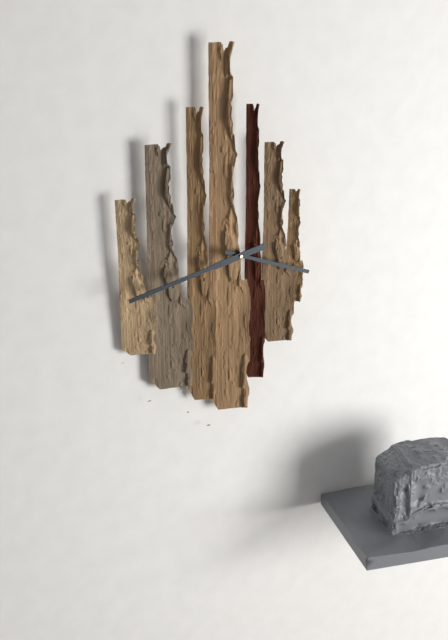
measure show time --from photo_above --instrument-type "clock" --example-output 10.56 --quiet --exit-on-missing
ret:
3.43
